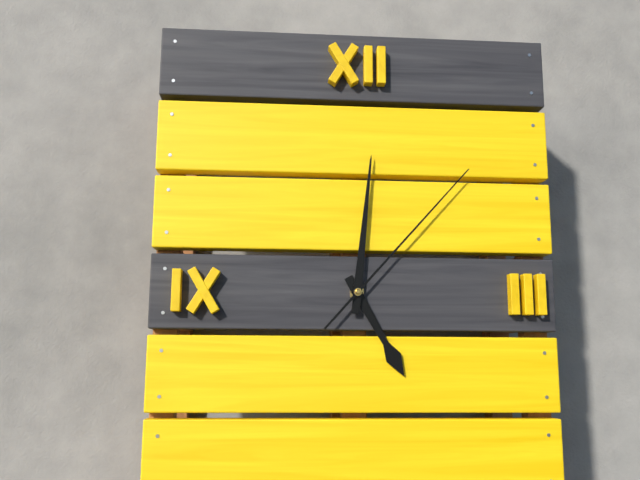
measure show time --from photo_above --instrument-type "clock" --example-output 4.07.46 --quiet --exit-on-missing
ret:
5.01.07
